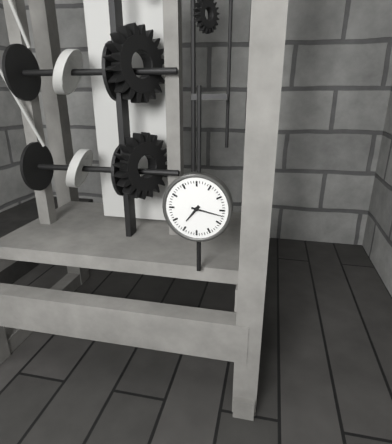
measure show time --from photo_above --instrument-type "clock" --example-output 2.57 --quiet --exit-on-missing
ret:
7.17
